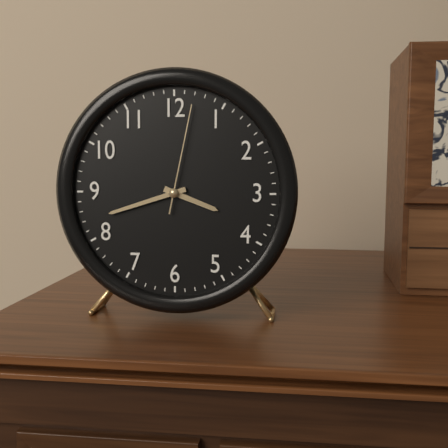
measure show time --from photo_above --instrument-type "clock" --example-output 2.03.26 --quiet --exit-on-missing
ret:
3.42.02
